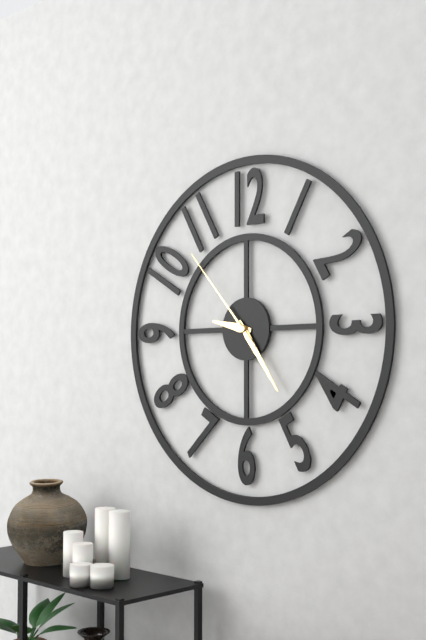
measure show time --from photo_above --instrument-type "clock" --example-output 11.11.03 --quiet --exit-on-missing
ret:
9.24.53
